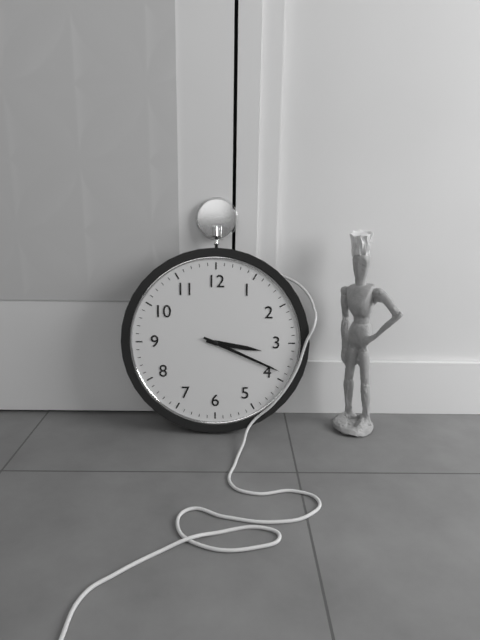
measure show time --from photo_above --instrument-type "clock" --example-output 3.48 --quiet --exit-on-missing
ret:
3.19
